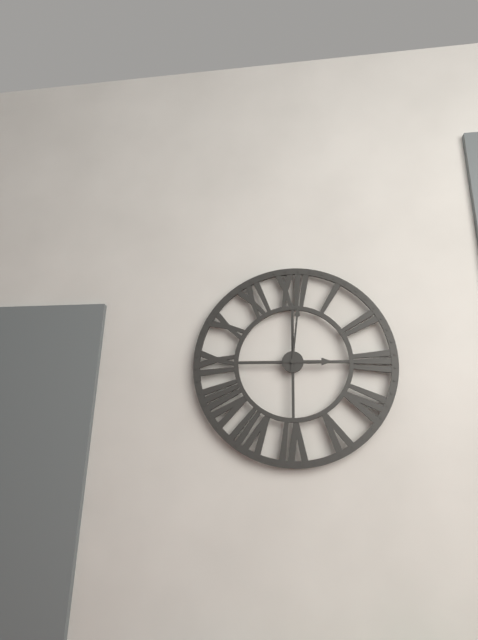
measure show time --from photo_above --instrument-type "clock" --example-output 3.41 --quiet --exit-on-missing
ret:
3.01
